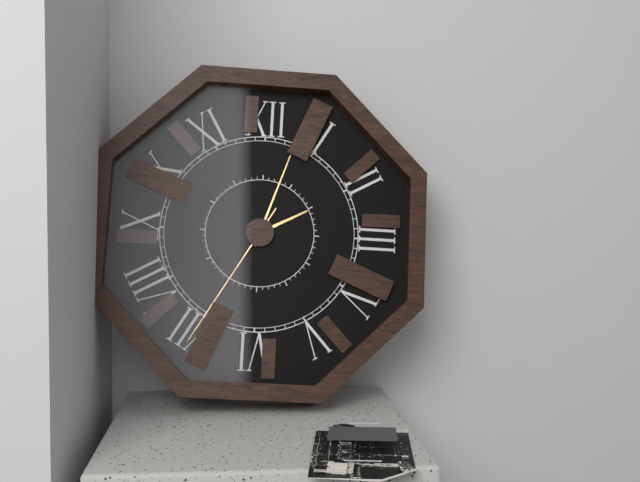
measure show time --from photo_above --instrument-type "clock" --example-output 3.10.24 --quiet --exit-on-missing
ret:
2.03.35
